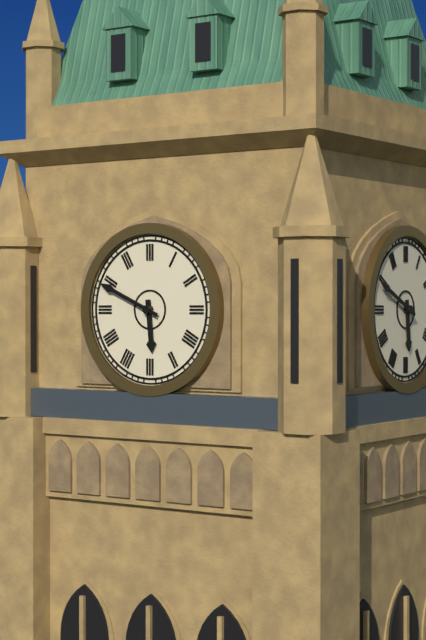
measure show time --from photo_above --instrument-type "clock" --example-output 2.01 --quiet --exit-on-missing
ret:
5.49
